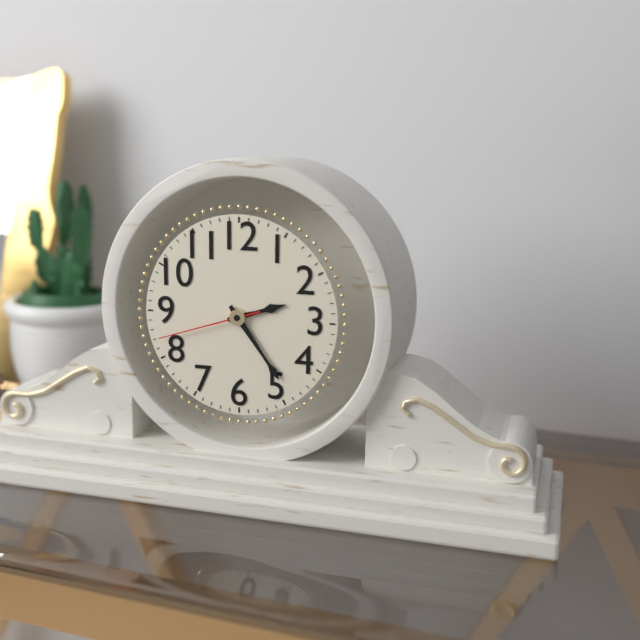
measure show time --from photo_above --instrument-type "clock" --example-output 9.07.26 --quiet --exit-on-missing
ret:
2.24.42
